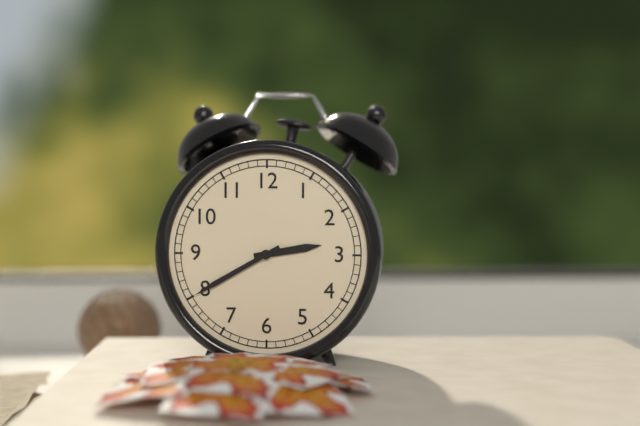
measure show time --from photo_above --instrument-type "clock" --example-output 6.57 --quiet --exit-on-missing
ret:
2.40
